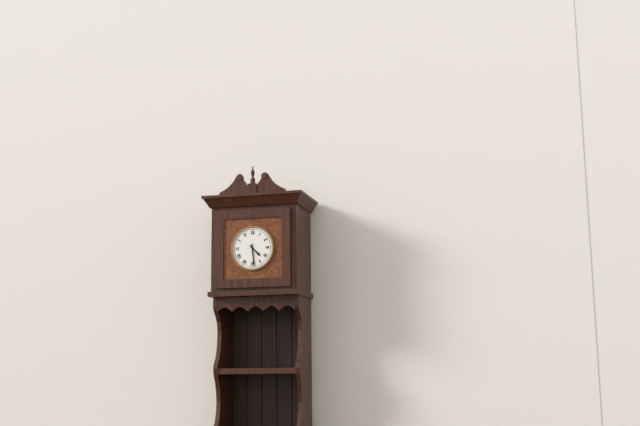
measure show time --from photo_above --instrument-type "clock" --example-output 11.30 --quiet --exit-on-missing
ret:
4.29
